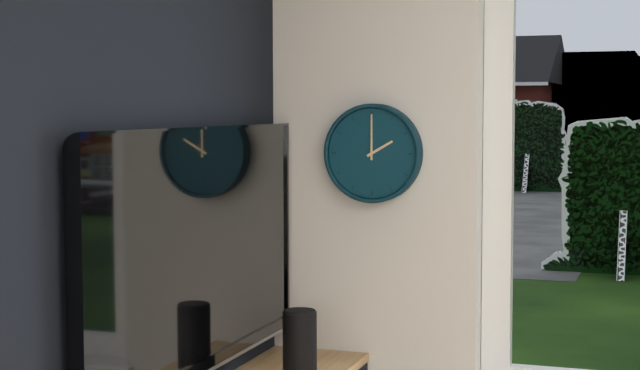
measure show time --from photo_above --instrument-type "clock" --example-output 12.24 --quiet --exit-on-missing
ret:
2.00
